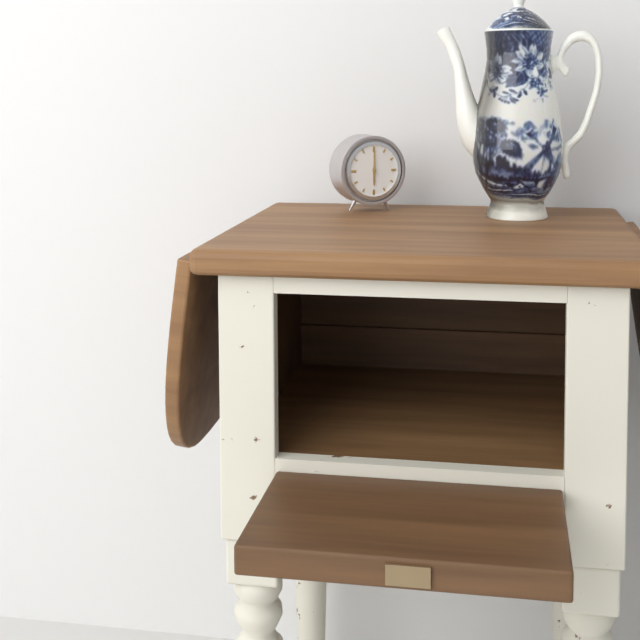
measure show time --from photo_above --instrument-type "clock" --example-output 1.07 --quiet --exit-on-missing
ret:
6.00
